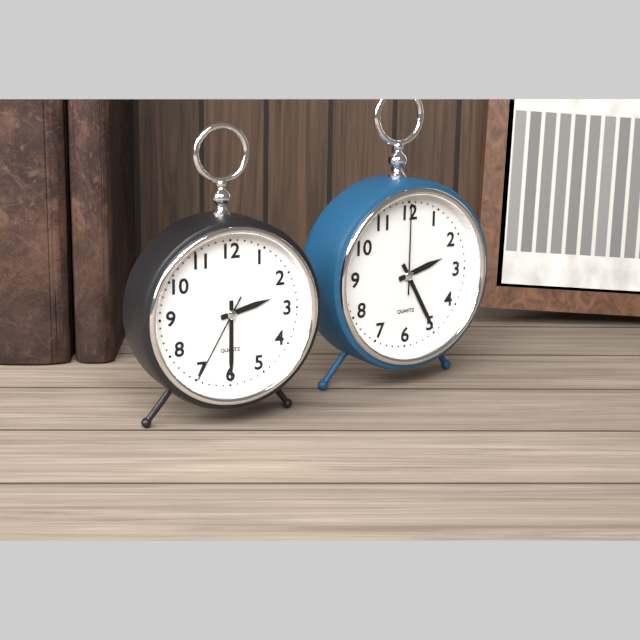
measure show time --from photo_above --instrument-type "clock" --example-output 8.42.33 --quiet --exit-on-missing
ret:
2.30.35
